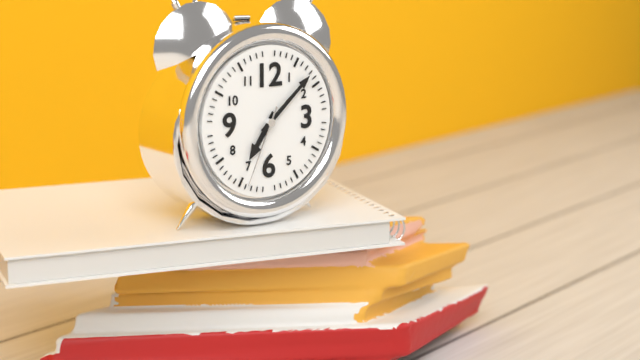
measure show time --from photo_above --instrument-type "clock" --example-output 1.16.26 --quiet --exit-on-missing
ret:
7.08.34
